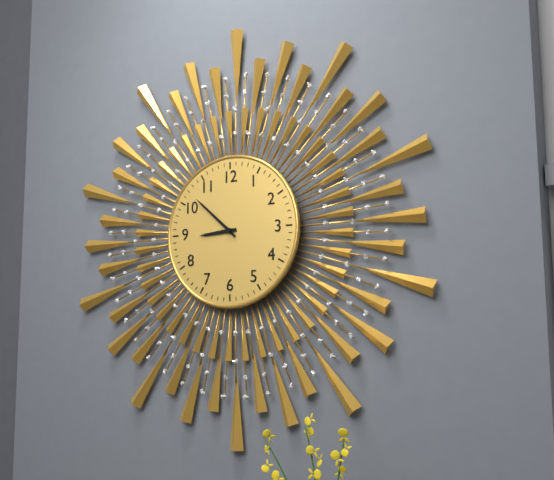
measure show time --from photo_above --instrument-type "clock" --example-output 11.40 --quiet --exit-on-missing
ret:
8.52
